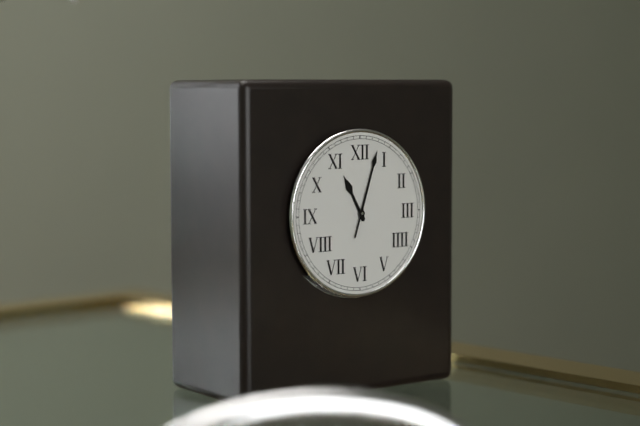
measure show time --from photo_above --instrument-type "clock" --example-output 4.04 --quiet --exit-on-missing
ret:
11.03
